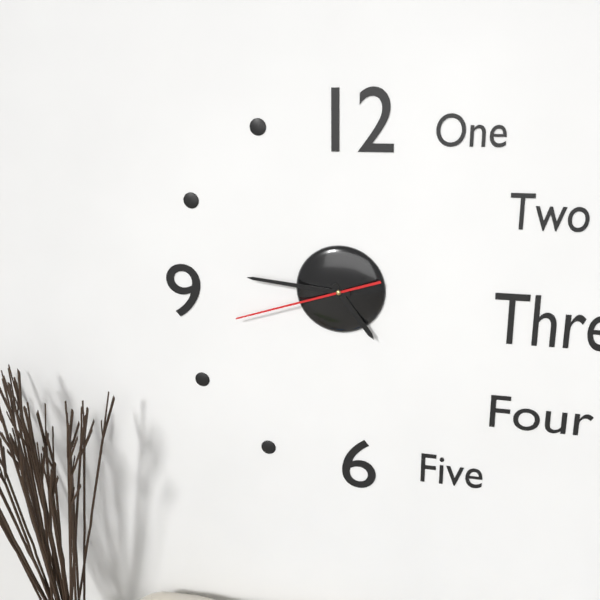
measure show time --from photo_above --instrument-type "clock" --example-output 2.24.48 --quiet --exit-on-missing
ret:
4.46.42
